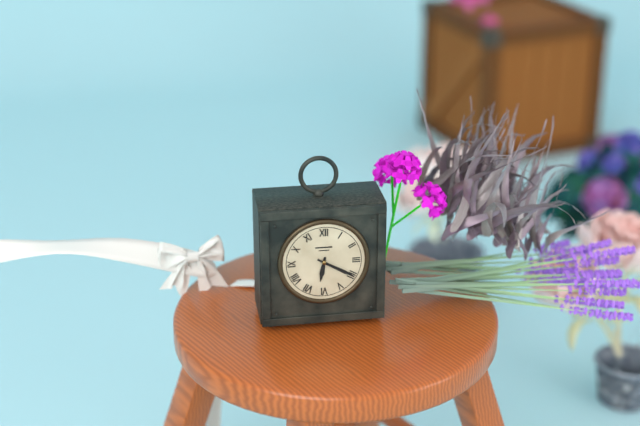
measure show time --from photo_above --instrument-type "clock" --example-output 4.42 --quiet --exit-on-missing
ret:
6.20
